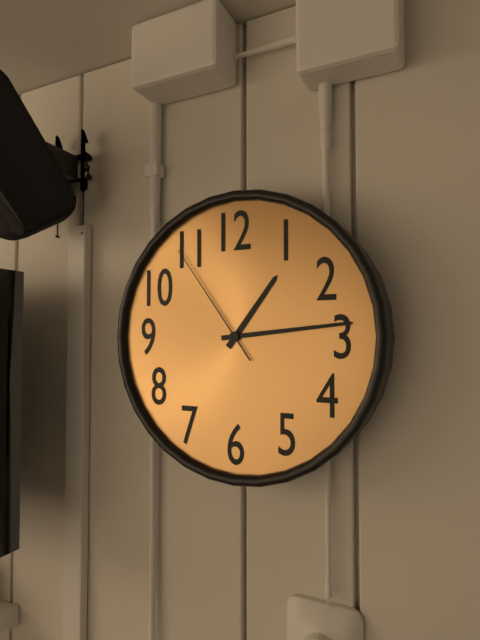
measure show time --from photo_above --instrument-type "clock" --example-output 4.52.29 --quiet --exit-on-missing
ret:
1.14.54
